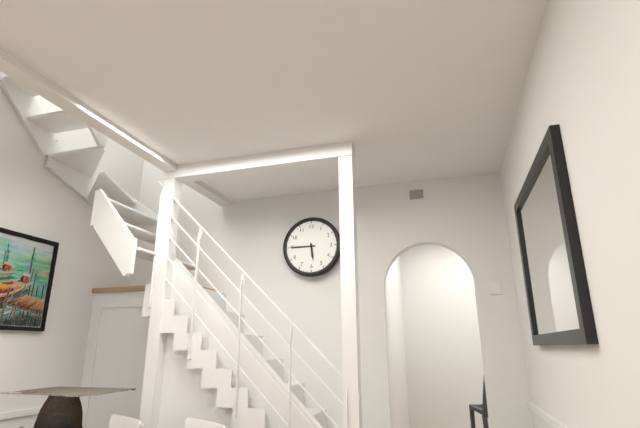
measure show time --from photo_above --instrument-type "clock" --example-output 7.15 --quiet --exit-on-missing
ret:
5.45
